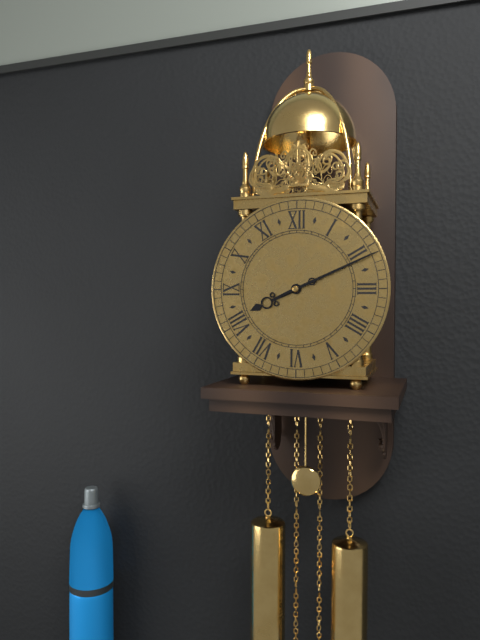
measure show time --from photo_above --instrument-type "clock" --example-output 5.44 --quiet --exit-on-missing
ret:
8.11
